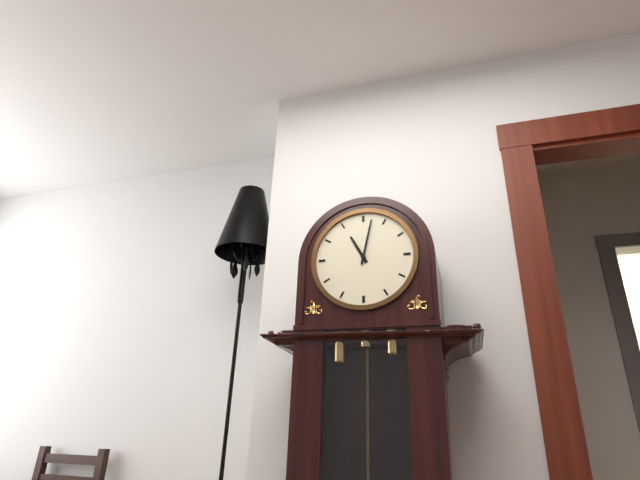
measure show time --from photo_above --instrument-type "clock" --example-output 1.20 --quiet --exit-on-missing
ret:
11.02
